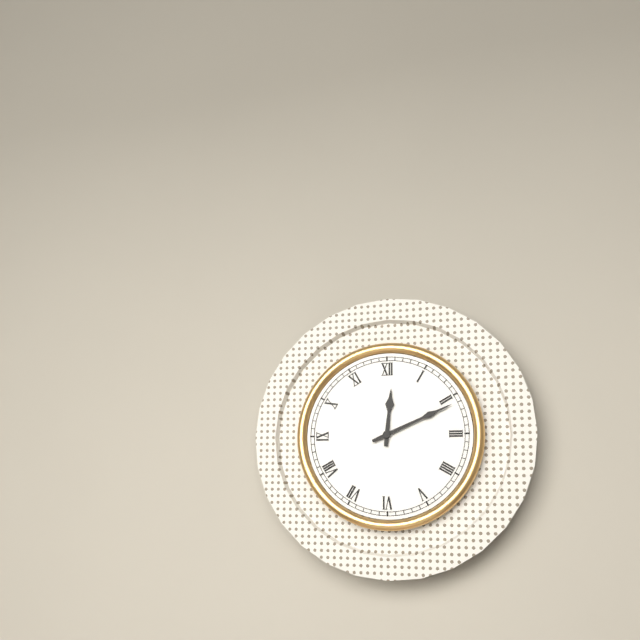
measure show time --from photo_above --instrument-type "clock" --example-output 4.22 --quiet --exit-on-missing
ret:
12.11
